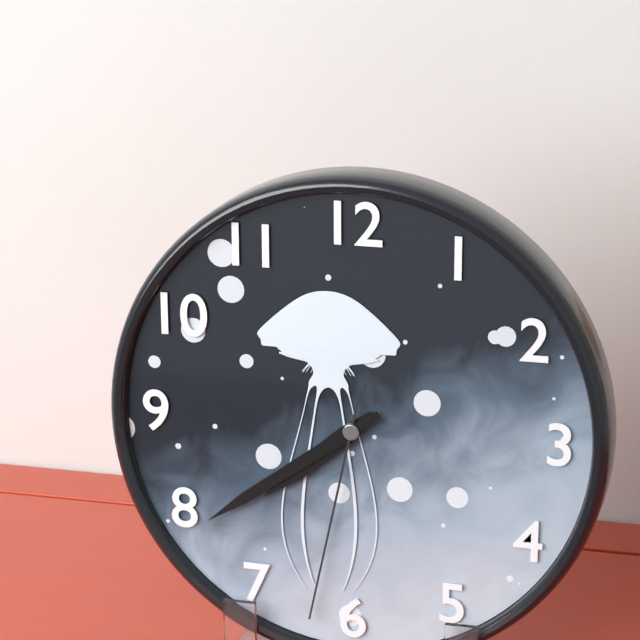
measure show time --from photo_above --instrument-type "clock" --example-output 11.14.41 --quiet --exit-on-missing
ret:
7.39.32
